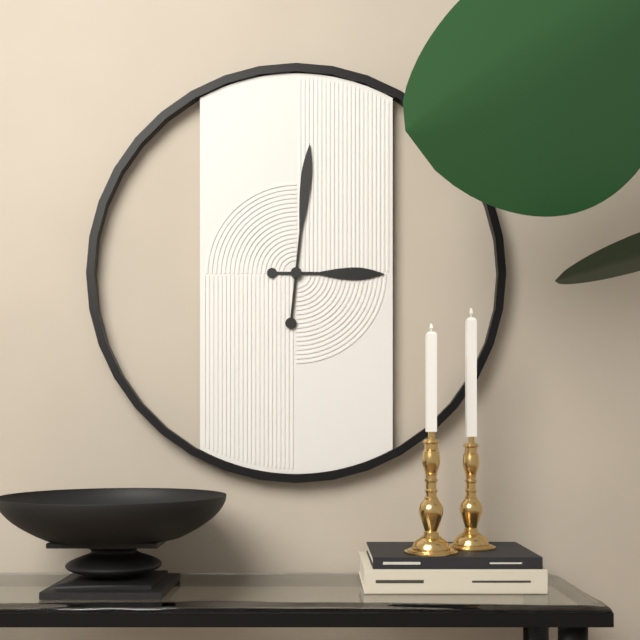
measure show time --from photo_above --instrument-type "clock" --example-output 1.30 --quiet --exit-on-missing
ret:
3.01
